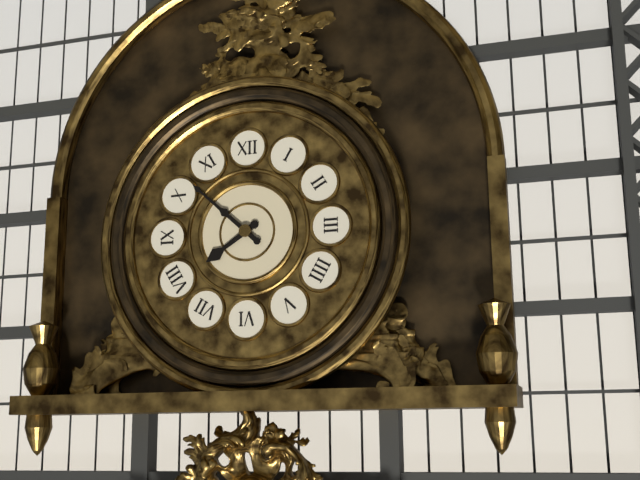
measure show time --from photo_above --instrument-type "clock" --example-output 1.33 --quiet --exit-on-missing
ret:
7.52
